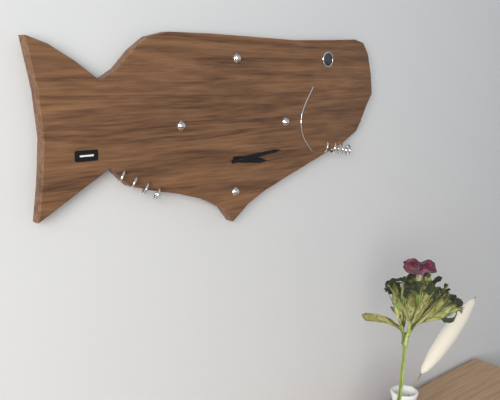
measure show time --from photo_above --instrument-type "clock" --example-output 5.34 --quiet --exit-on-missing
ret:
3.14
